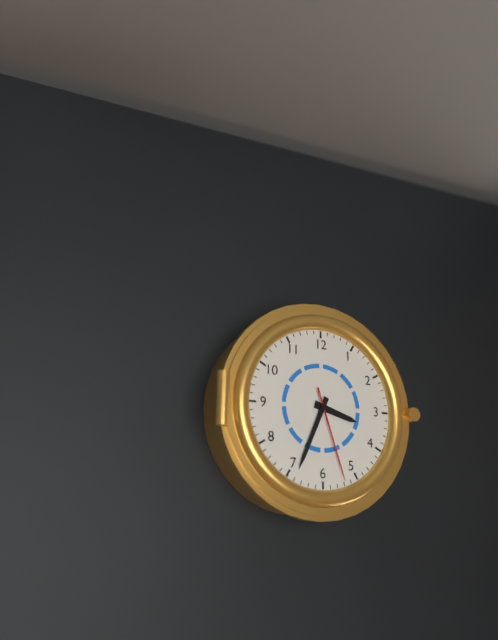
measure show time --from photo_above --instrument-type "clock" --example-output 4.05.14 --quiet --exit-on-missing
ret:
3.34.27
